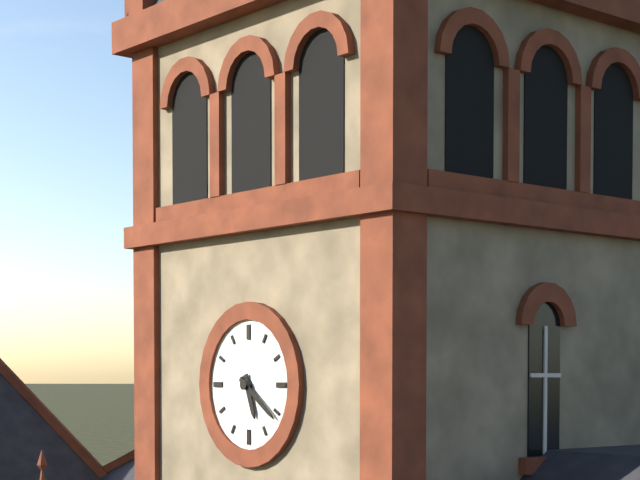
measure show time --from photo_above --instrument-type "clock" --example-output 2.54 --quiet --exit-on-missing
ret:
5.21
